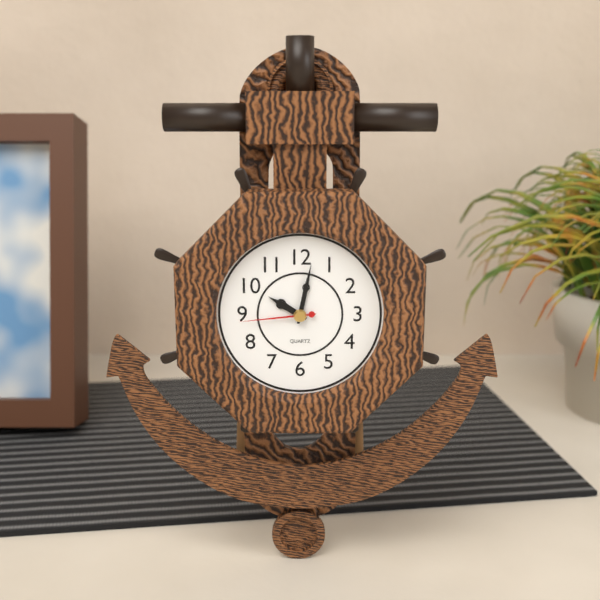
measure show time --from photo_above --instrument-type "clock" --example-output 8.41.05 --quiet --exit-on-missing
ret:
10.02.44
